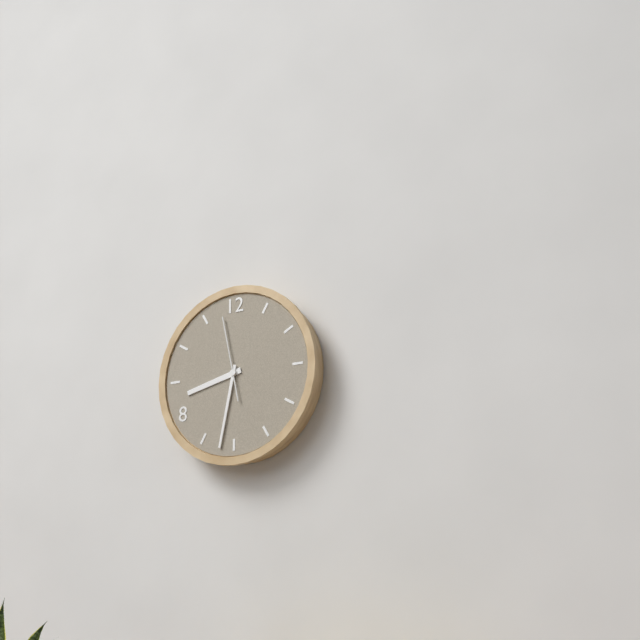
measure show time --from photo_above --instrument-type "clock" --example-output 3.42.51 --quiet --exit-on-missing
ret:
8.32.58
